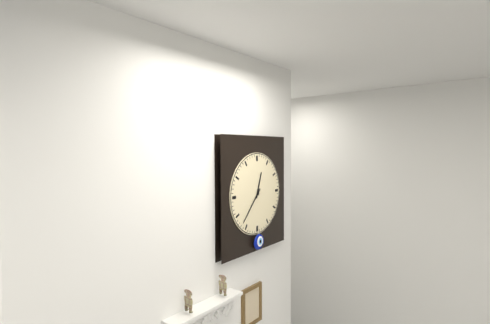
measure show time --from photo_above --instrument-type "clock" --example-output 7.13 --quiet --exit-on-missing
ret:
12.37
